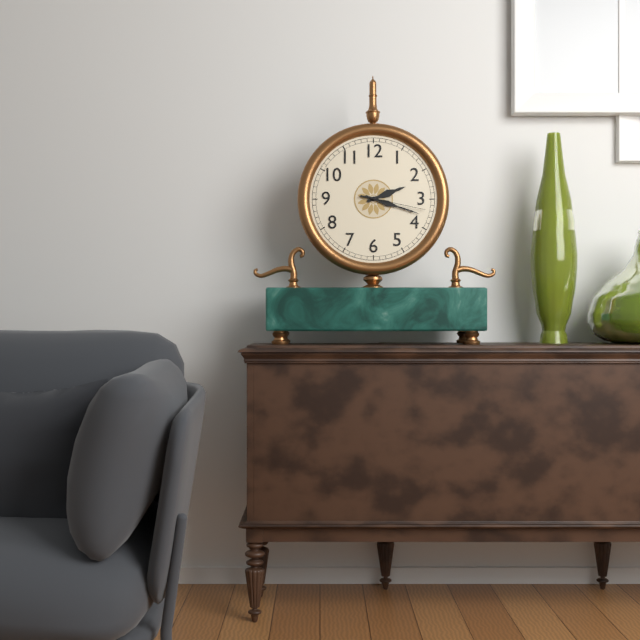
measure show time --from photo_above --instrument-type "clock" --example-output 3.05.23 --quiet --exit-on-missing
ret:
2.18.17
